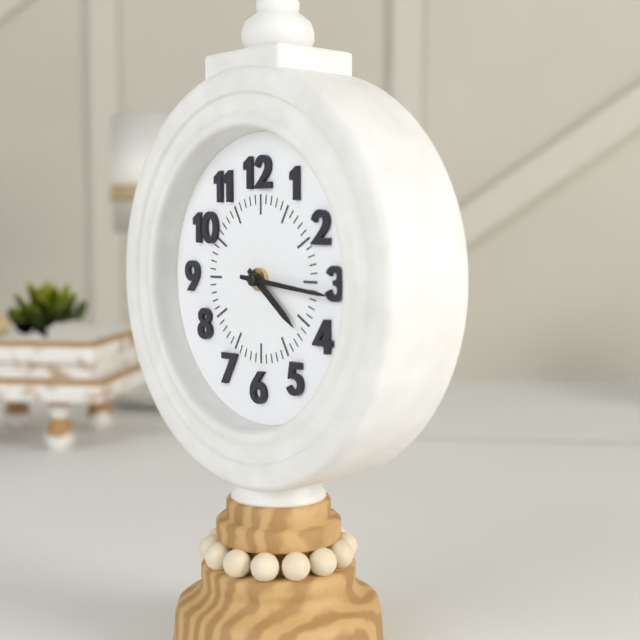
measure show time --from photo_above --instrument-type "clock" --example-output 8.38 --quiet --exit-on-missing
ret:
4.16
